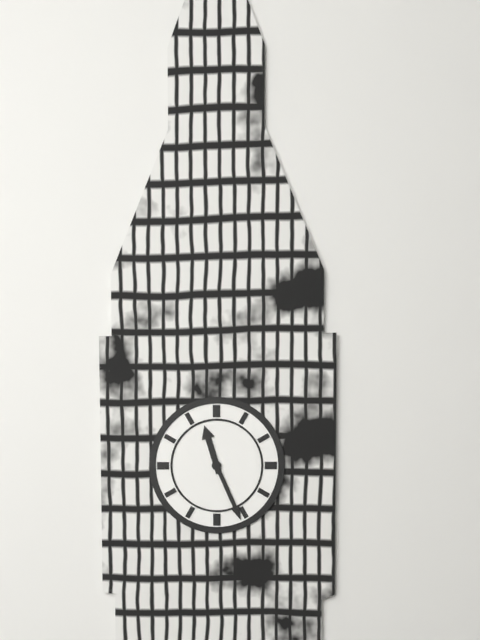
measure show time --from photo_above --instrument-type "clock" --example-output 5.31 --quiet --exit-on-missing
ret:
11.26
